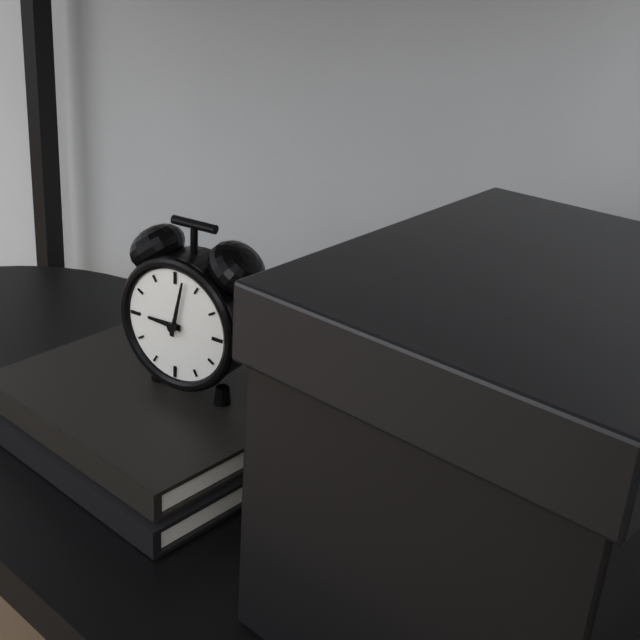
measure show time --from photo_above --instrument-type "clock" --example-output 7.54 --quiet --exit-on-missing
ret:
9.02
